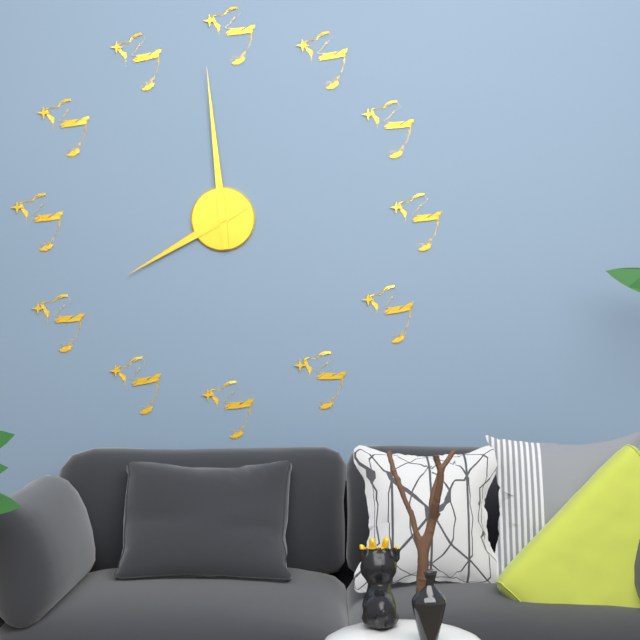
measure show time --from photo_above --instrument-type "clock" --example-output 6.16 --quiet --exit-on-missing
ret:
7.59
